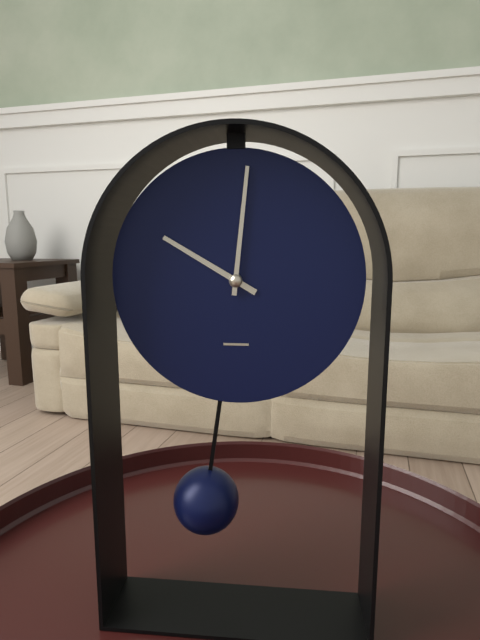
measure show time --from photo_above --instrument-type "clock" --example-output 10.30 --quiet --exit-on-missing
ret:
10.01
